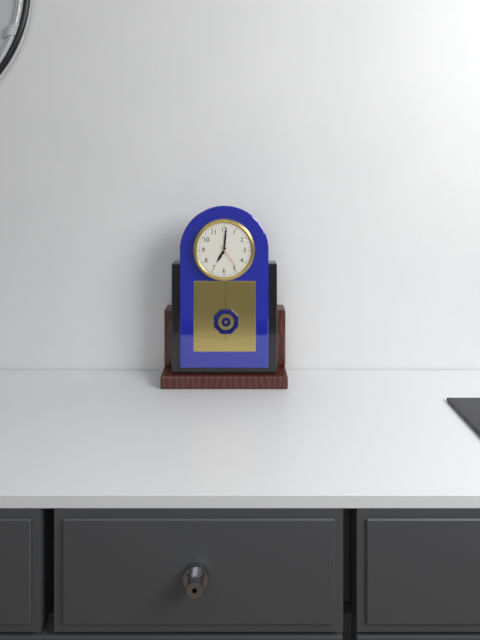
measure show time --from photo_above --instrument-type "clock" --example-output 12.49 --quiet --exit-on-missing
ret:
7.01
